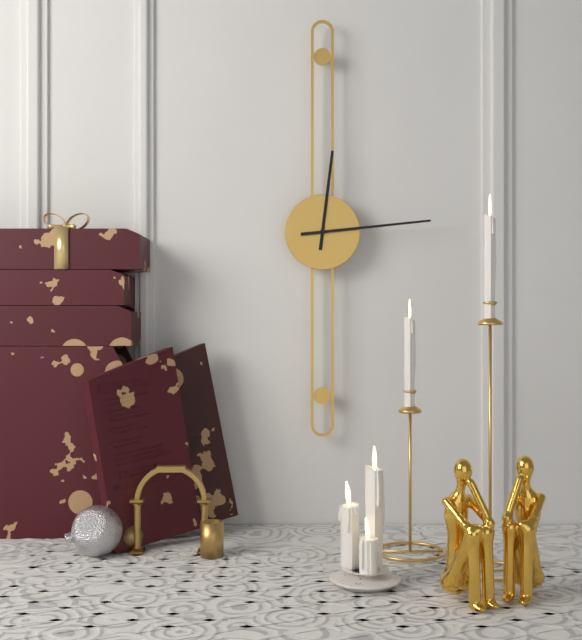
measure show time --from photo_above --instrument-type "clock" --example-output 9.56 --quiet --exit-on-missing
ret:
12.14
